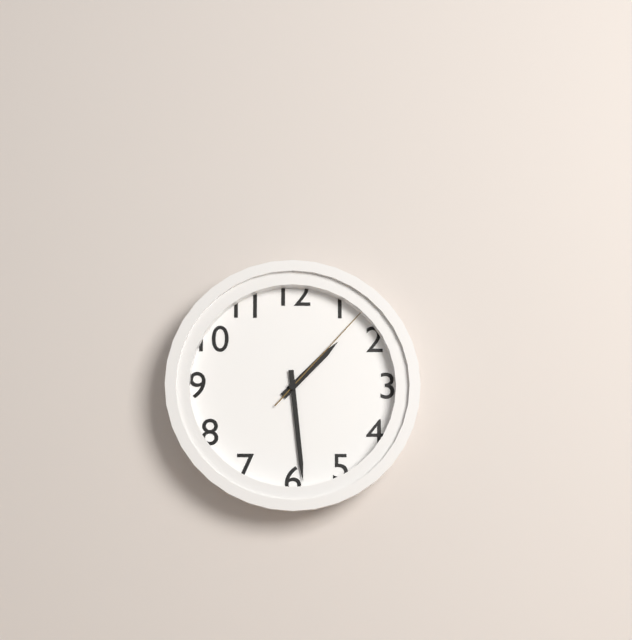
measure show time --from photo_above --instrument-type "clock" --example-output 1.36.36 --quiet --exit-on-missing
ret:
1.29.07
